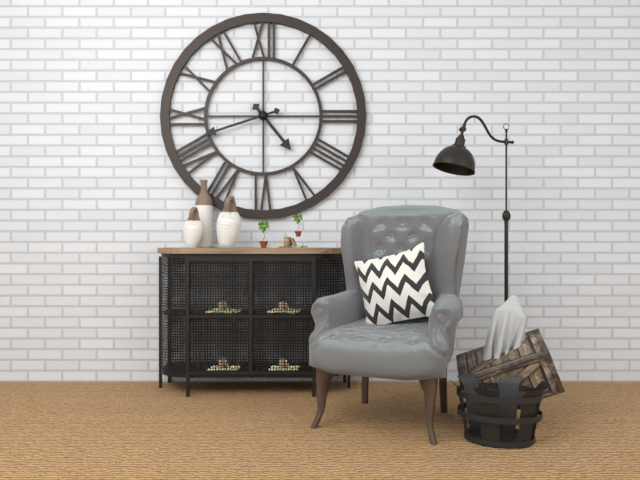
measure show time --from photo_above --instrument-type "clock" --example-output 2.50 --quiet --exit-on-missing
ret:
4.42
